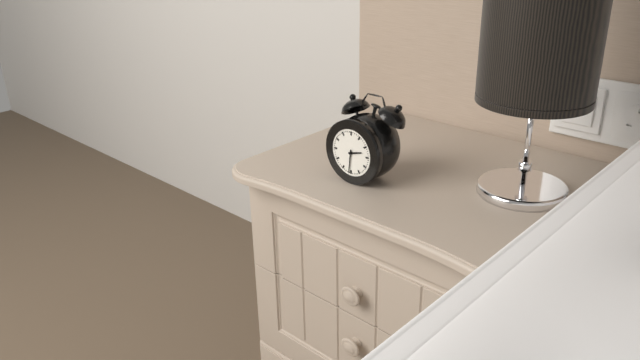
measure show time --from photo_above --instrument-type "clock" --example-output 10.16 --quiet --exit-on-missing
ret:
2.31
